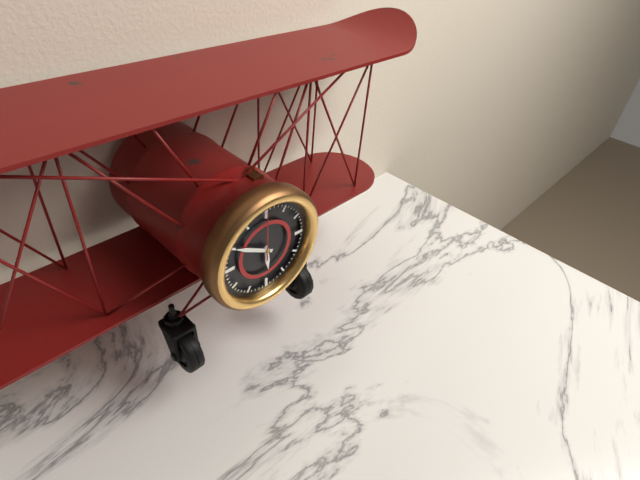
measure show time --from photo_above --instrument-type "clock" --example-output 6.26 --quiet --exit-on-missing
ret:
5.50
